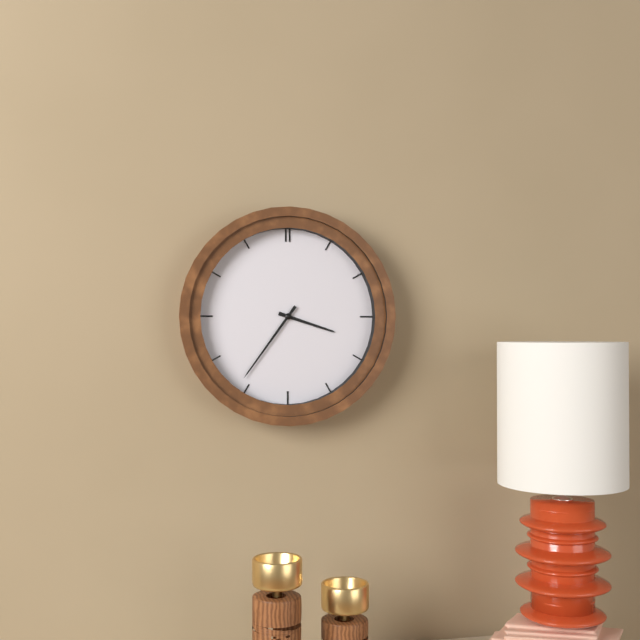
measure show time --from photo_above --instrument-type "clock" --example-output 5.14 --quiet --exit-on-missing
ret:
3.36
